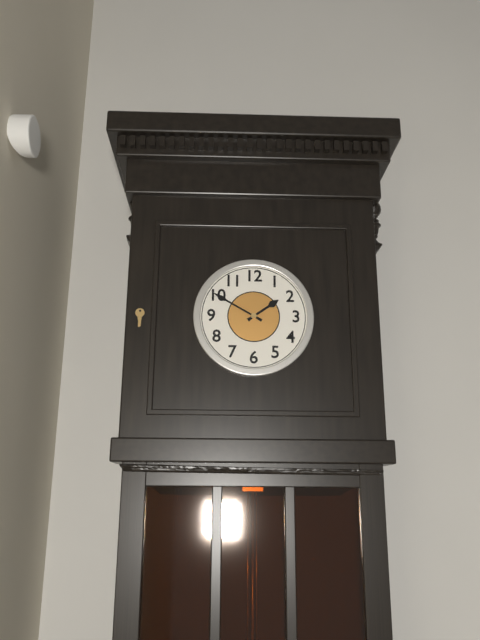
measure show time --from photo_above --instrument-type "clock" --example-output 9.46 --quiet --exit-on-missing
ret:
1.50
